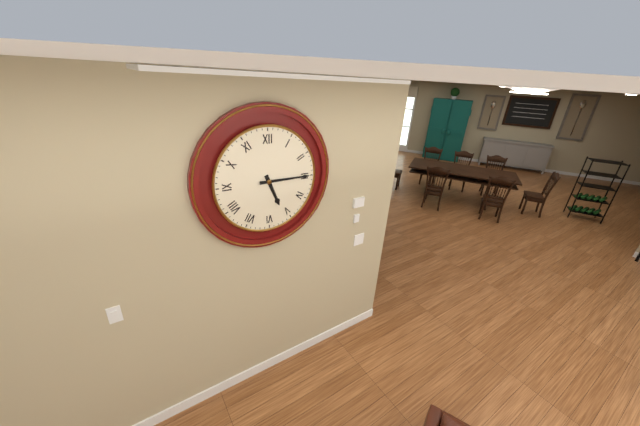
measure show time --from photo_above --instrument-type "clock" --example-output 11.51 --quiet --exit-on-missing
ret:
5.15
